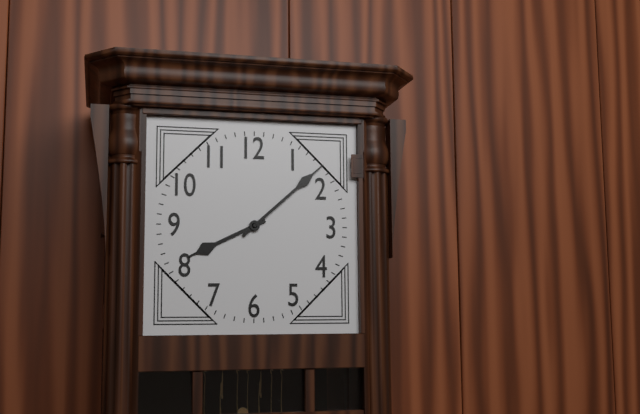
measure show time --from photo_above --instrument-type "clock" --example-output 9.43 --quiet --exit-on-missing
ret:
8.08
